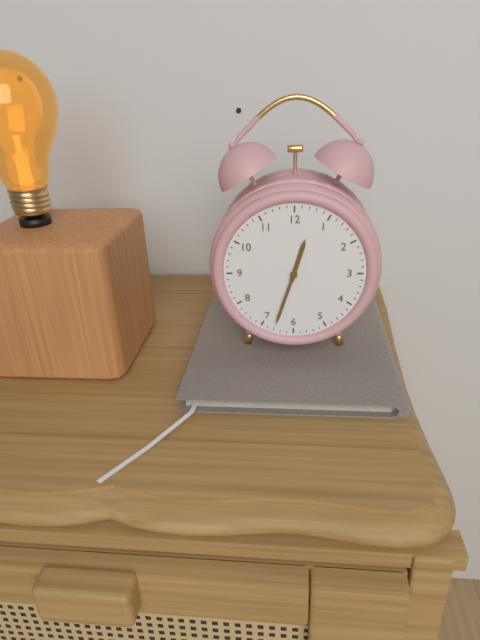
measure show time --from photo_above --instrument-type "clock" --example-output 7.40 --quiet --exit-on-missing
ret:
12.33
